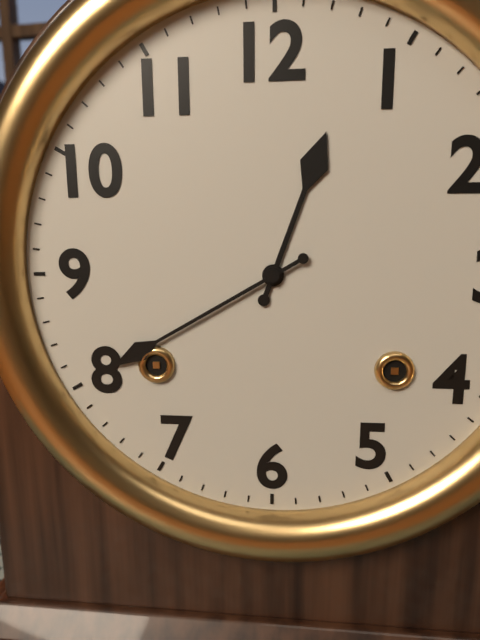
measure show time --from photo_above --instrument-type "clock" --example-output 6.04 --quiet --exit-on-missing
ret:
12.40
